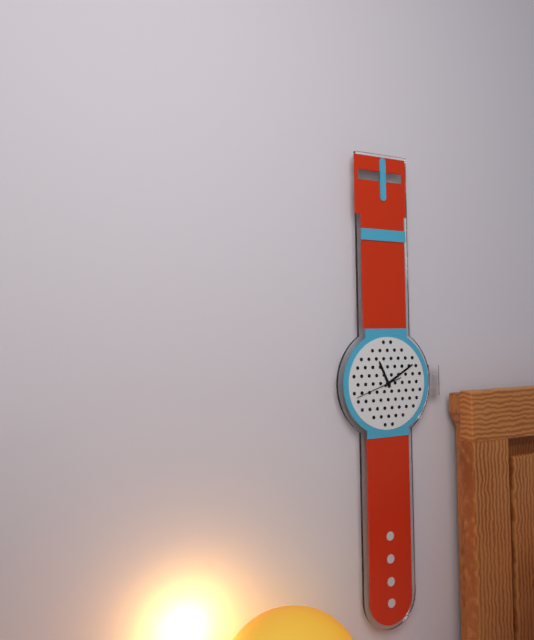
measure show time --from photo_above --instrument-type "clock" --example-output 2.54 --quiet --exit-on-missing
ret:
11.10
